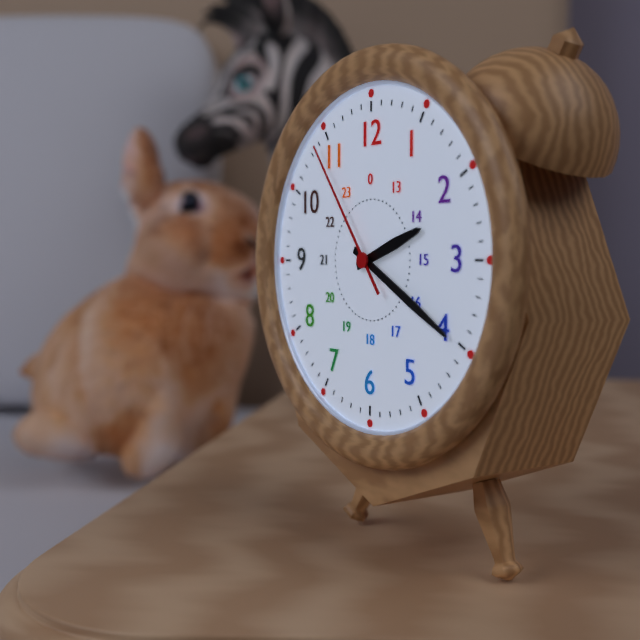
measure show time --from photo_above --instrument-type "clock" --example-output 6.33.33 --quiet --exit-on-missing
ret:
2.20.54
